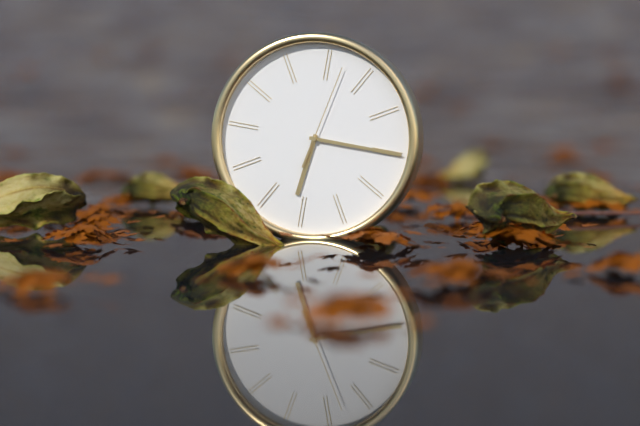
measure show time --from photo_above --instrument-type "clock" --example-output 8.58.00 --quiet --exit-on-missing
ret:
6.15.02
